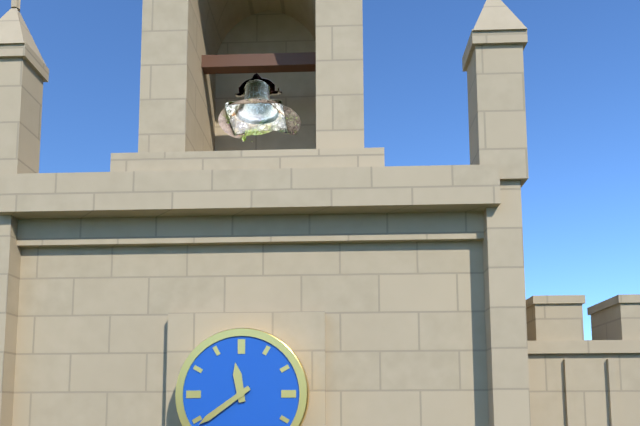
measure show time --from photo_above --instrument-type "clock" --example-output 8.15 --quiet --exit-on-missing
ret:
11.39
